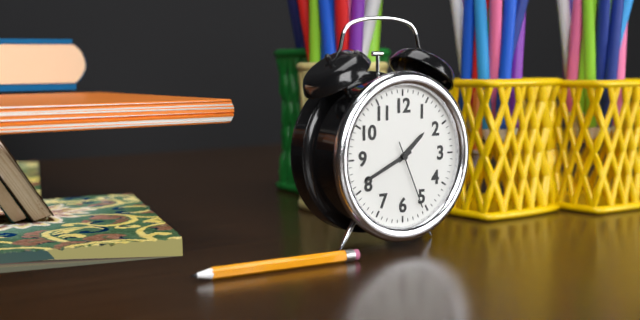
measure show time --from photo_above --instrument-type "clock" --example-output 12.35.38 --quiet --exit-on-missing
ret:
1.41.26
